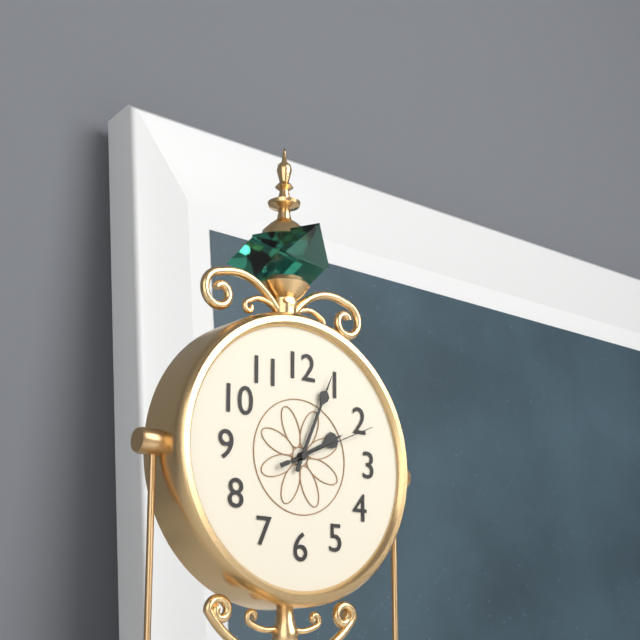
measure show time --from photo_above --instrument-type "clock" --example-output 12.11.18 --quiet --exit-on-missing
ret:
2.04.11
